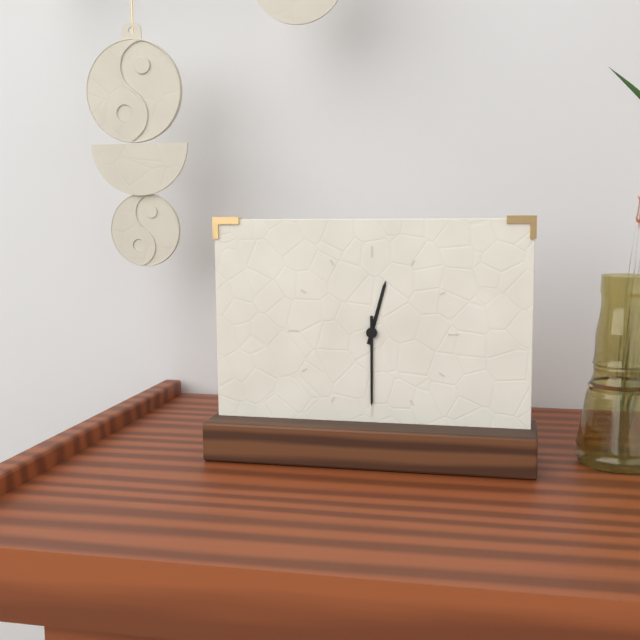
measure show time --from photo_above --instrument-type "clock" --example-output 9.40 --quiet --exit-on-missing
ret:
12.30
